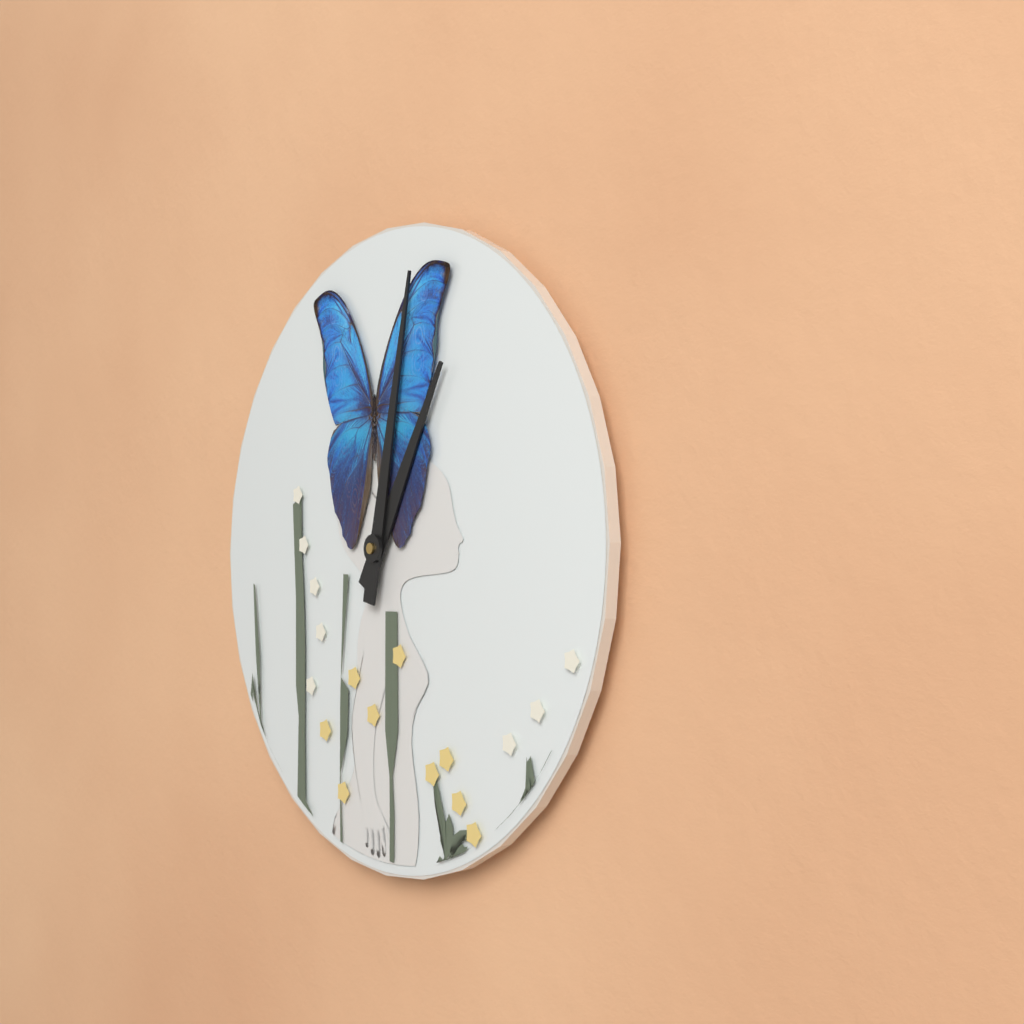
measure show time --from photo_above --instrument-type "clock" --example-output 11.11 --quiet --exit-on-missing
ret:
1.02
